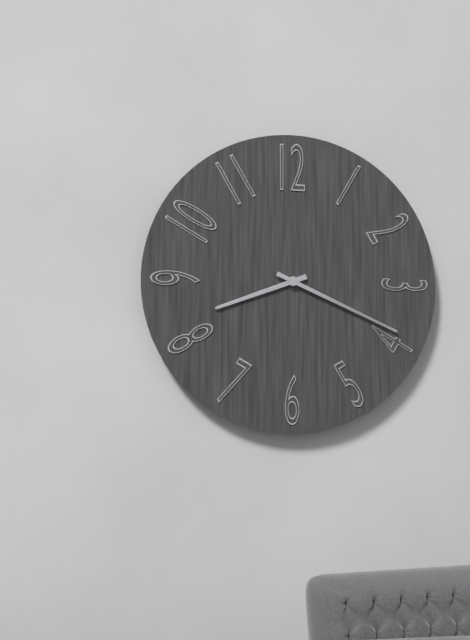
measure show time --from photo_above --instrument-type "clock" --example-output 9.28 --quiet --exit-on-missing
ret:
8.19
